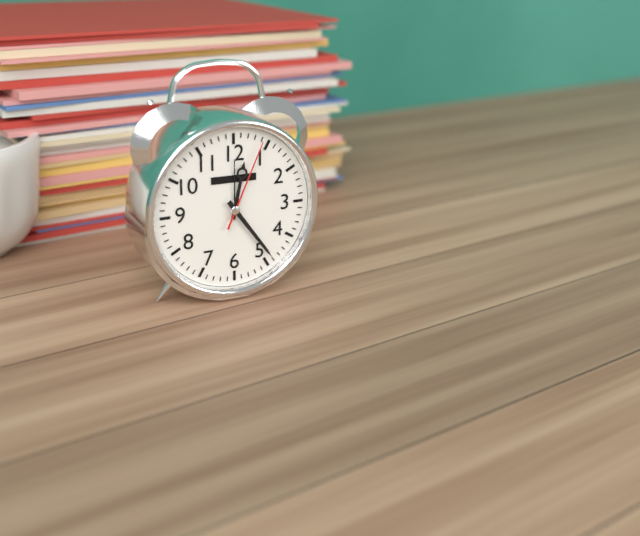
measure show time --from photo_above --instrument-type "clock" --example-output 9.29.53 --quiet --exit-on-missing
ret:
12.24.04
